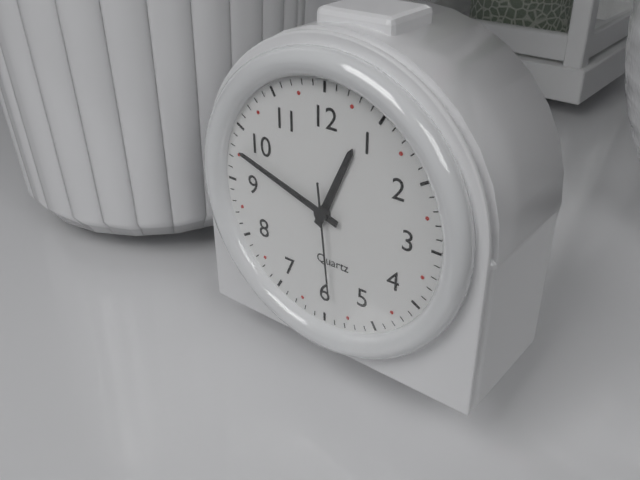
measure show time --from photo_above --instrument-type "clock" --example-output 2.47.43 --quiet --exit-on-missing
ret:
12.48.29
